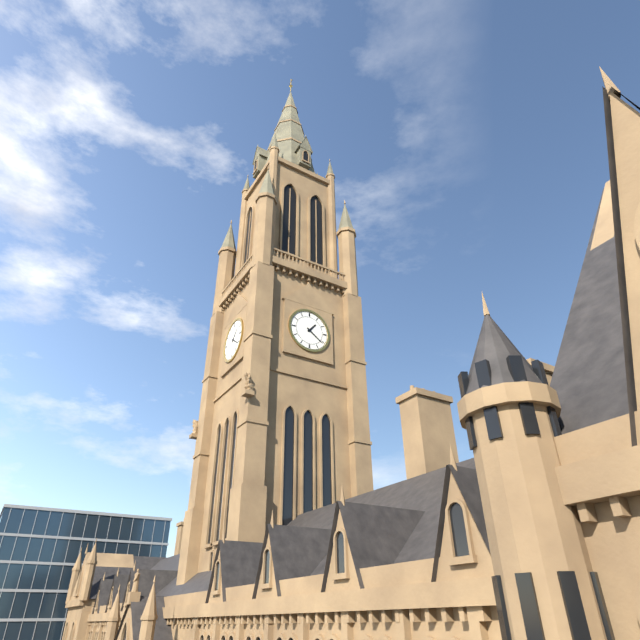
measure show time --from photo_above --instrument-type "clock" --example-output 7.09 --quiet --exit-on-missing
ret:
1.21
